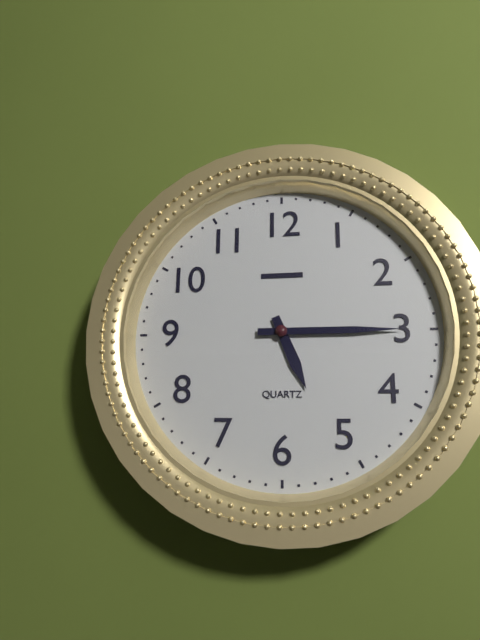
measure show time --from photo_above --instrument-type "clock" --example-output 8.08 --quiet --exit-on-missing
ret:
5.15
